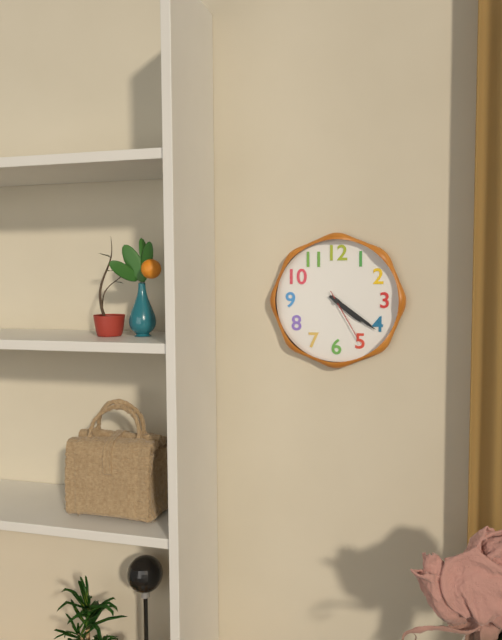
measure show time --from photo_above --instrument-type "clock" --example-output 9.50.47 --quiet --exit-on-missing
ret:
4.21.25
